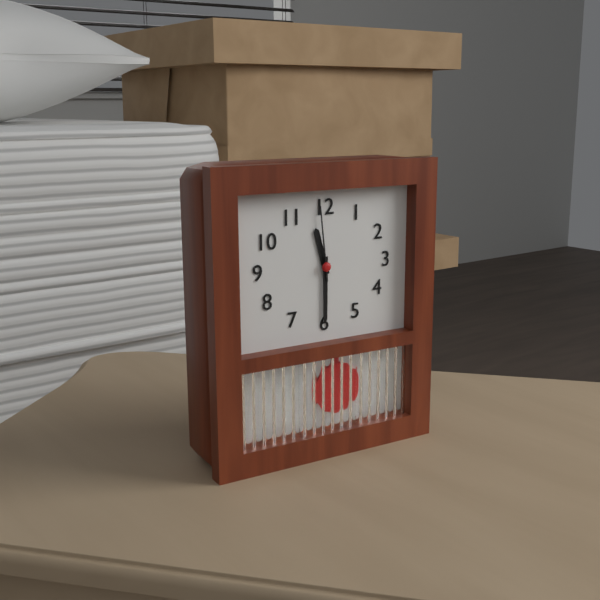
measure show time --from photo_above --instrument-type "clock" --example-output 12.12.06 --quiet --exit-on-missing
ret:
11.30.59
